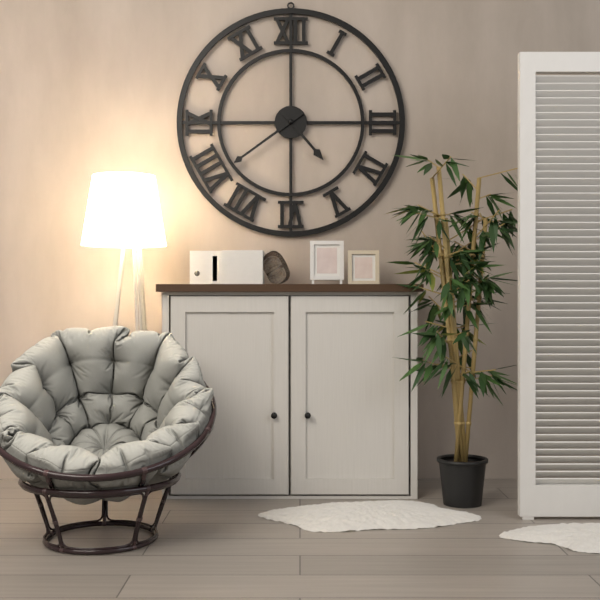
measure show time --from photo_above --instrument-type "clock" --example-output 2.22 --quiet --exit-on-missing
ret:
4.39
